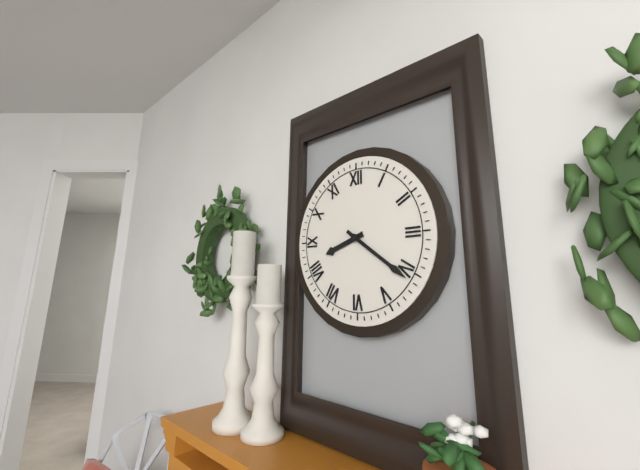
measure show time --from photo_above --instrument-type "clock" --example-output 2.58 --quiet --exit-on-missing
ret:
8.21
